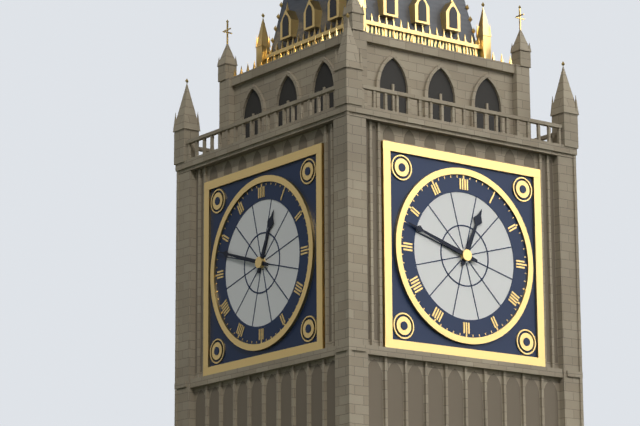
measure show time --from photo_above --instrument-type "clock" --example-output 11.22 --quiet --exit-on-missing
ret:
12.48
